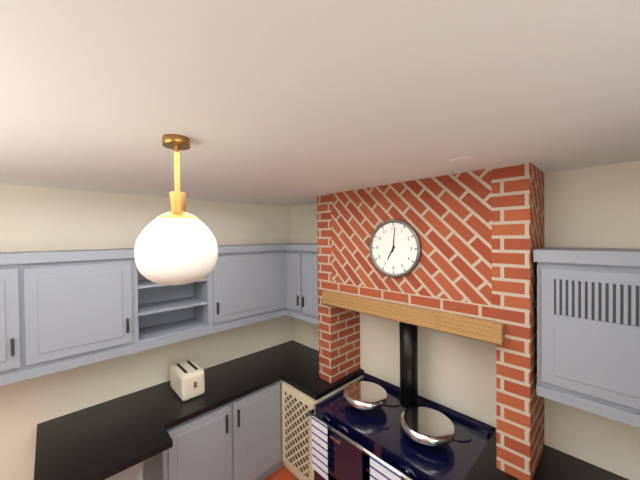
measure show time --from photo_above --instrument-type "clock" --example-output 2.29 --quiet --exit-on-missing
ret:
7.01
